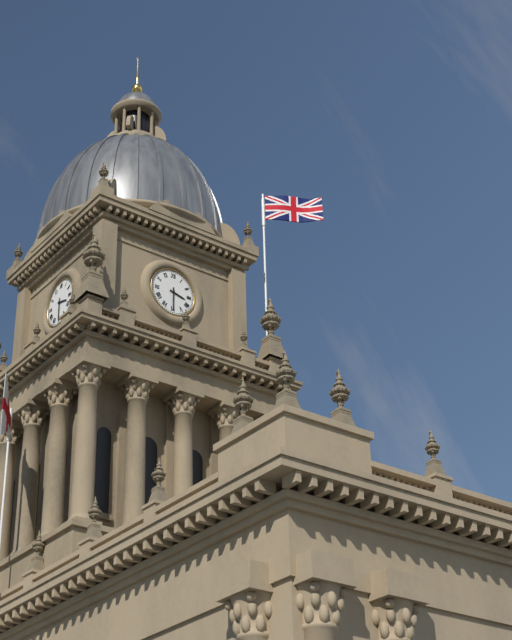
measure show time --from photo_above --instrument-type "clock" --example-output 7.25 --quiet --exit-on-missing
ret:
3.30
